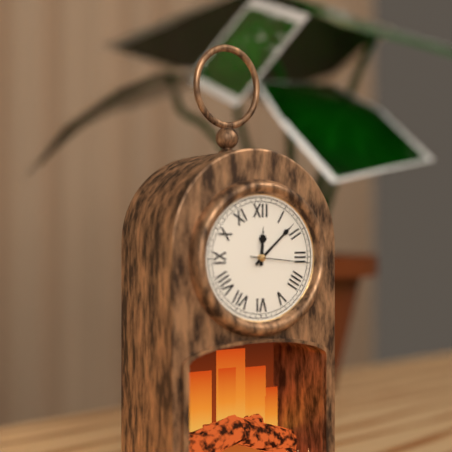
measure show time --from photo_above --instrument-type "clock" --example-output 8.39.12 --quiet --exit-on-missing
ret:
12.08.16
